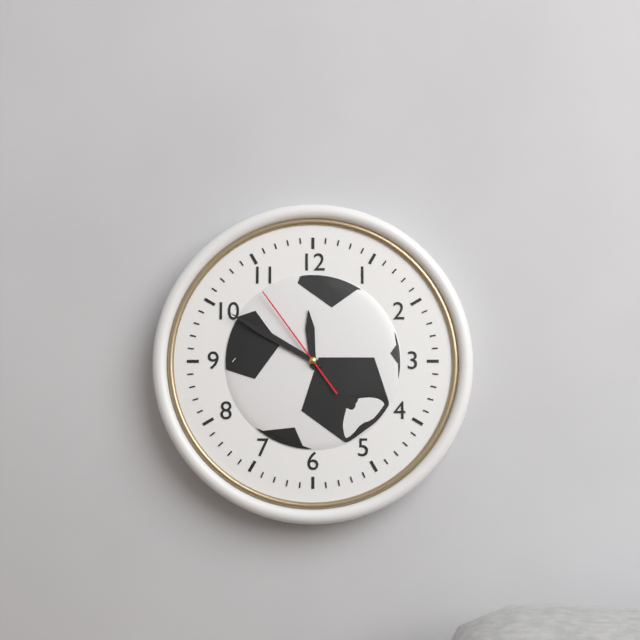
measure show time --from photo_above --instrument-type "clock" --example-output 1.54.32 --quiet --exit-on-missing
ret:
11.50.54
